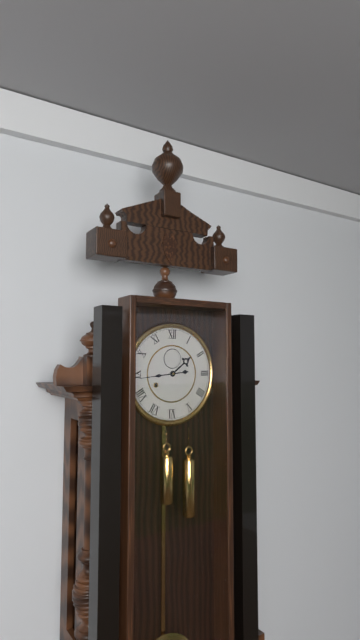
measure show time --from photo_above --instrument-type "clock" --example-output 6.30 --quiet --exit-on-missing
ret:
1.44
